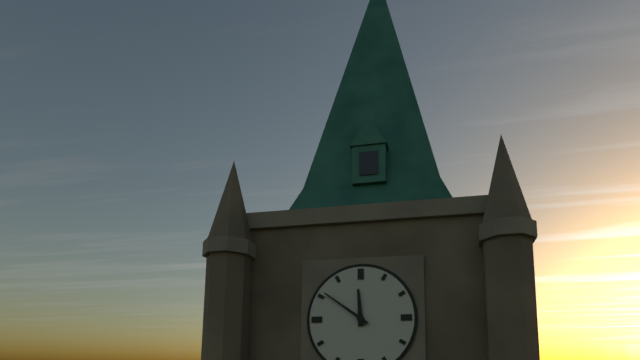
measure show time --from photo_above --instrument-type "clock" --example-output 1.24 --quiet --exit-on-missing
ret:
11.51
